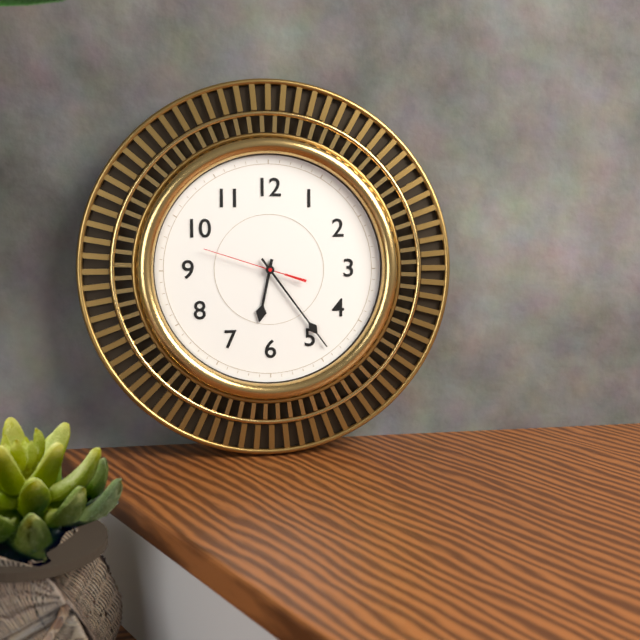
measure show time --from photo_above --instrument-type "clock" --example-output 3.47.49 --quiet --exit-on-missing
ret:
6.24.48
